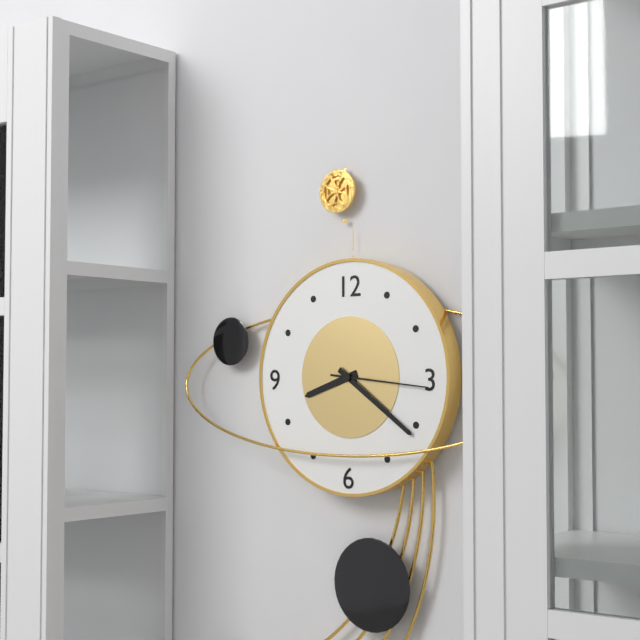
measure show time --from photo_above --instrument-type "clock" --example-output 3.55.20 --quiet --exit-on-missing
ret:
8.21.16
